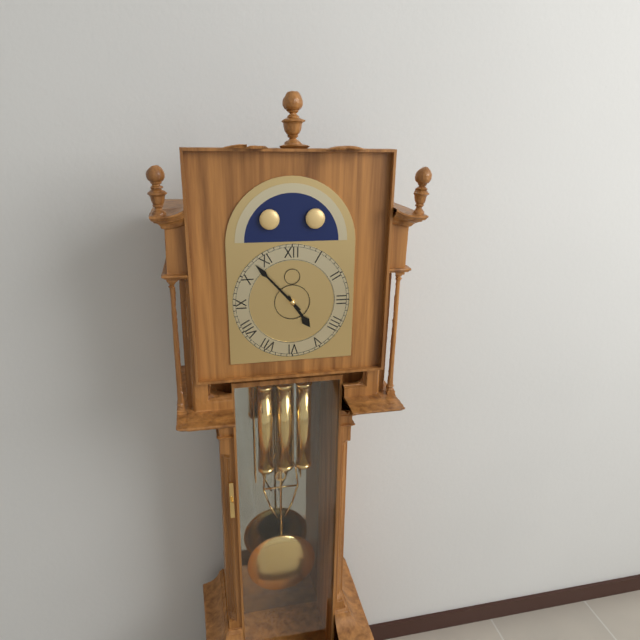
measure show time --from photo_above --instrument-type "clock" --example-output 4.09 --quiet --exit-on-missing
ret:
4.53
